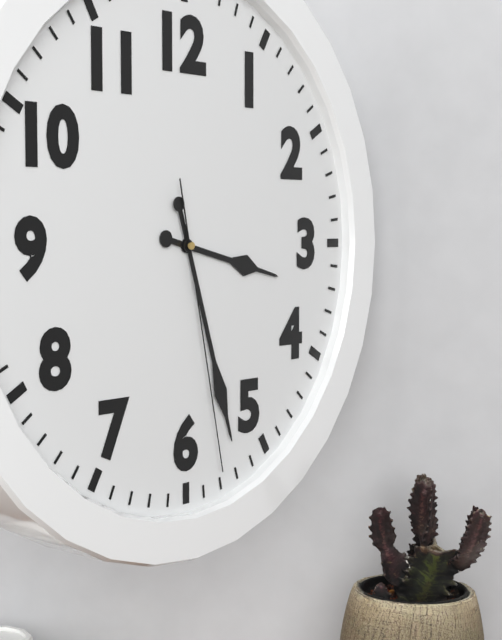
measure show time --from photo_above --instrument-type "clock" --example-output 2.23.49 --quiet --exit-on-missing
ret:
3.27.28
